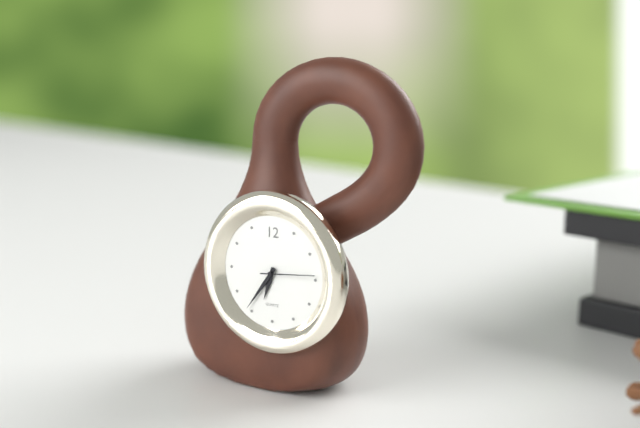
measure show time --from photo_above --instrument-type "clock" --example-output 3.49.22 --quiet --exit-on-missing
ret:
6.36.14
